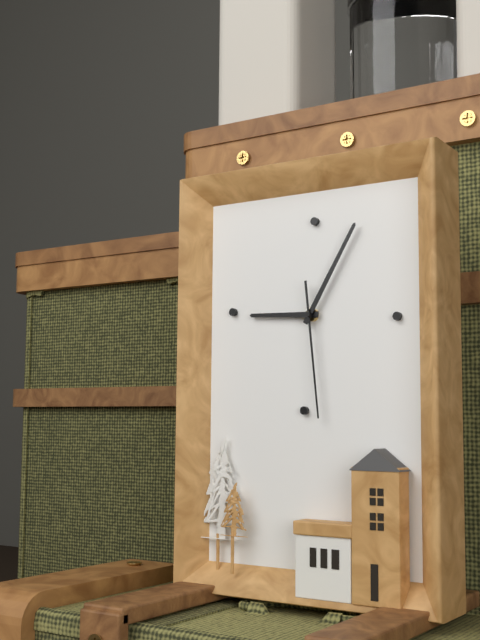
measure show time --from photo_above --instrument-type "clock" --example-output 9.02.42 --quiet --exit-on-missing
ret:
9.05.29
